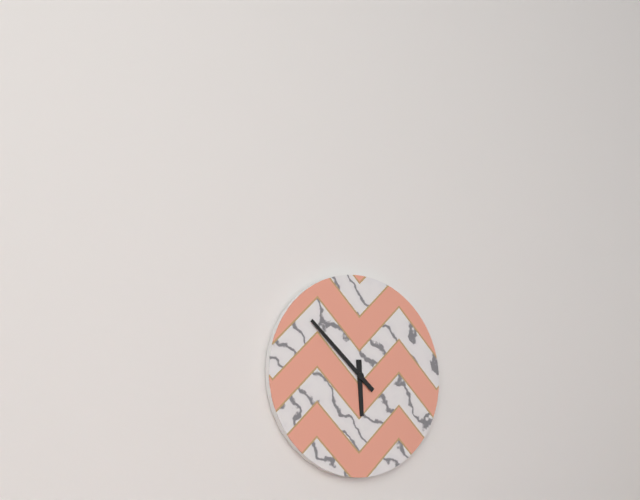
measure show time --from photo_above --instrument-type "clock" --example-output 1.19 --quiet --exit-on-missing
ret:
5.52
